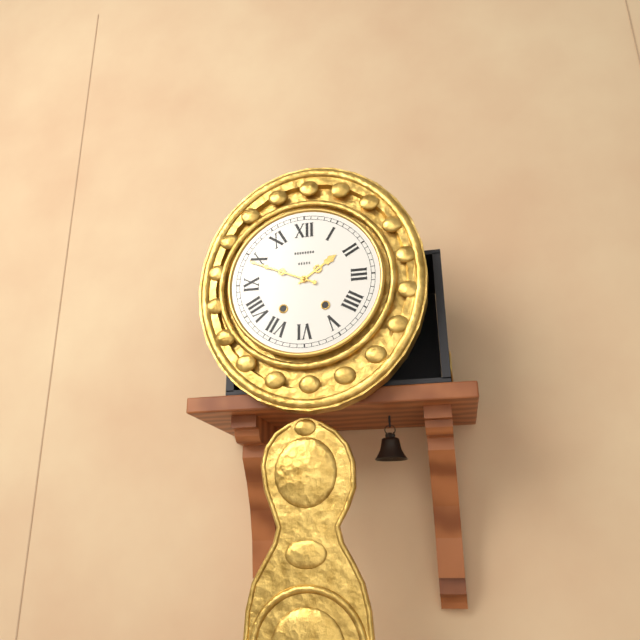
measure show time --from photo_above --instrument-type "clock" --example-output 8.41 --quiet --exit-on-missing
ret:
1.49
